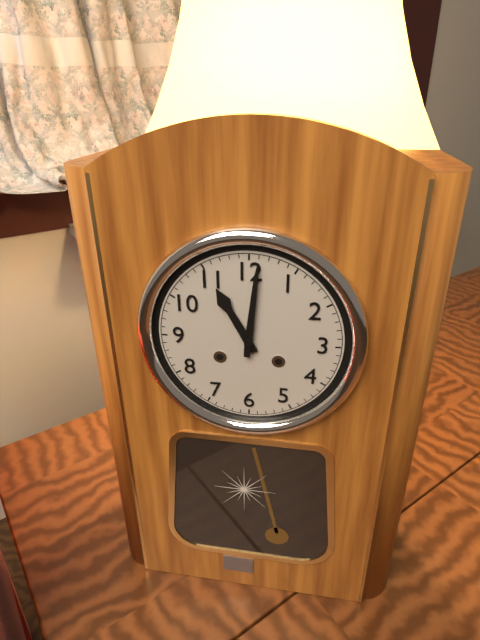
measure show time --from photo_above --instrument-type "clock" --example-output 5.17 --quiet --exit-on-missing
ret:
11.01
